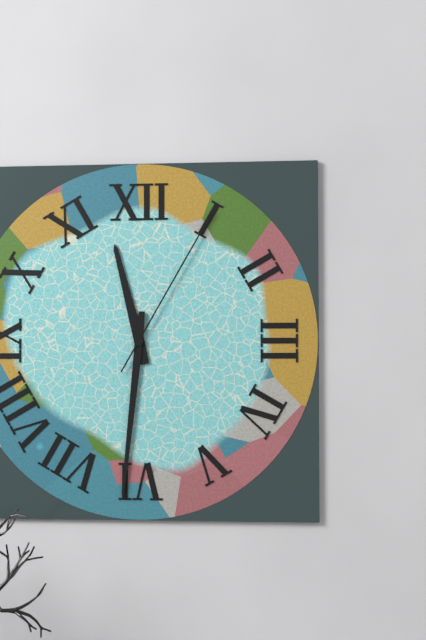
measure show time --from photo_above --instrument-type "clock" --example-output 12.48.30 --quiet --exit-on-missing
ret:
11.31.05
